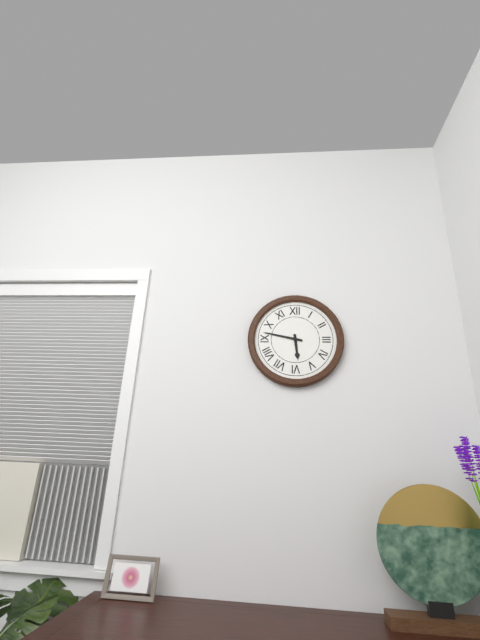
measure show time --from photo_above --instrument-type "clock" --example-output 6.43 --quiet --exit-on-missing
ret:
5.47
